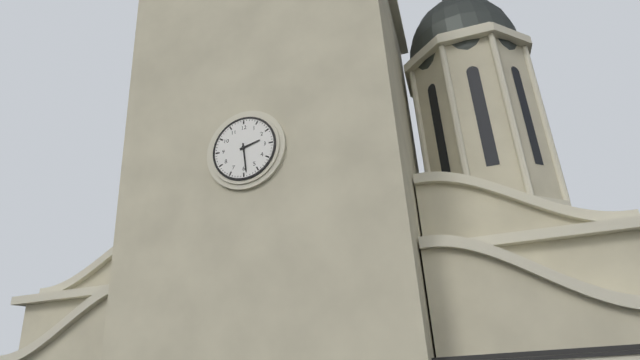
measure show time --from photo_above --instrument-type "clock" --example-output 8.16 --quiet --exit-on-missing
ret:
2.29
